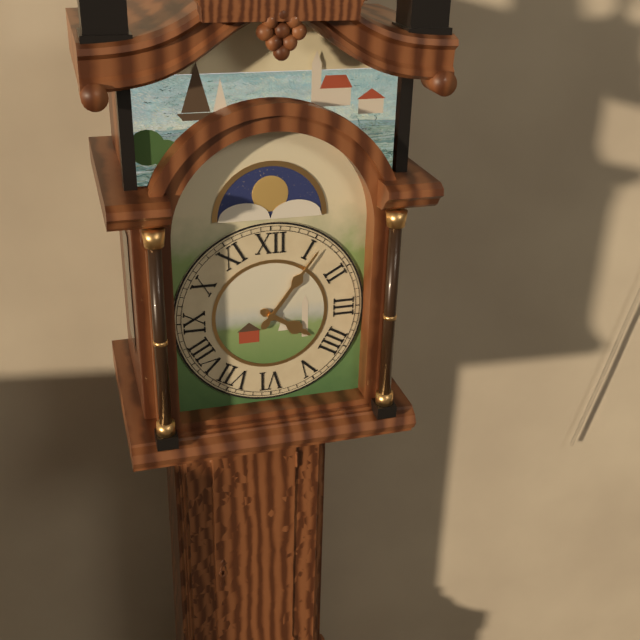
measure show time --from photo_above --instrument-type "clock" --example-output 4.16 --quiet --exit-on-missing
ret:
4.06
